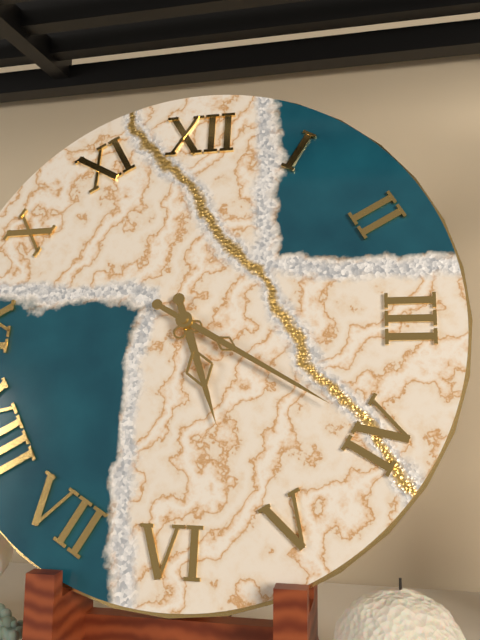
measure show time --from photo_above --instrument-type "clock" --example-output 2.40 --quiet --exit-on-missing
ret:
5.20
